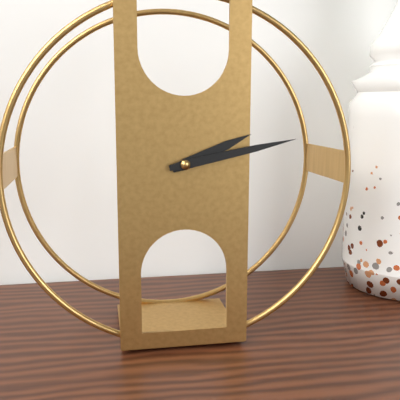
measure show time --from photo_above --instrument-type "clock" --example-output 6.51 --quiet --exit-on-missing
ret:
2.13
